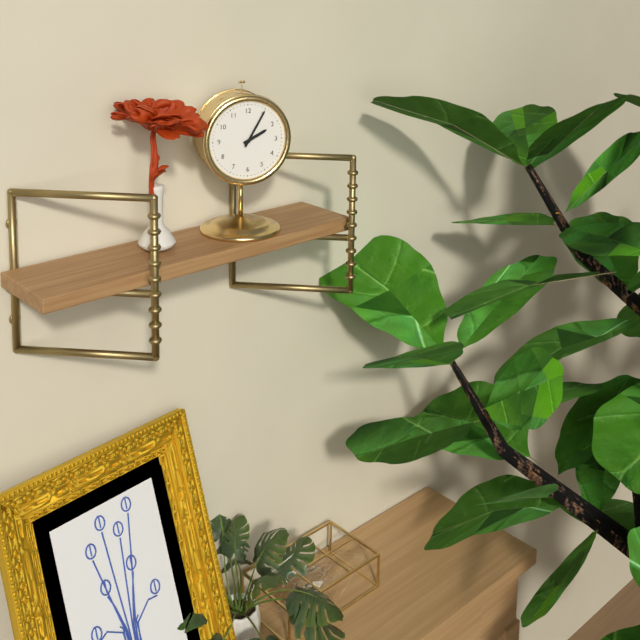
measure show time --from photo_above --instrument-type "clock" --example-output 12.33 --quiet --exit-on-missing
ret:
2.05
